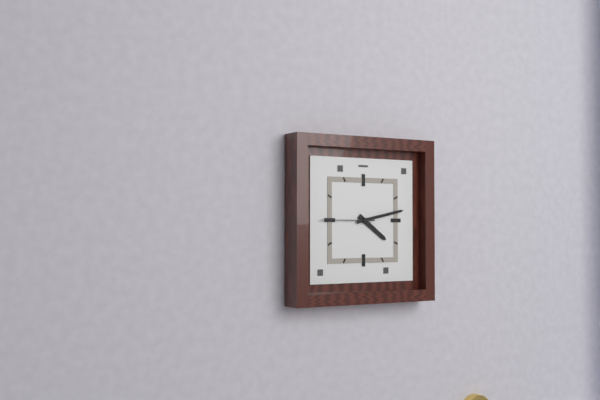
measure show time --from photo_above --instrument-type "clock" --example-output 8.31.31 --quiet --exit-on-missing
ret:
4.13.45
